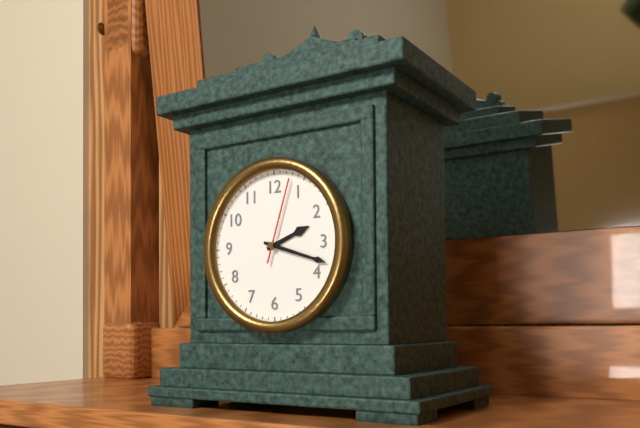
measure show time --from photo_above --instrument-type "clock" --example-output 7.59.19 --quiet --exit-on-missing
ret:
2.18.03
